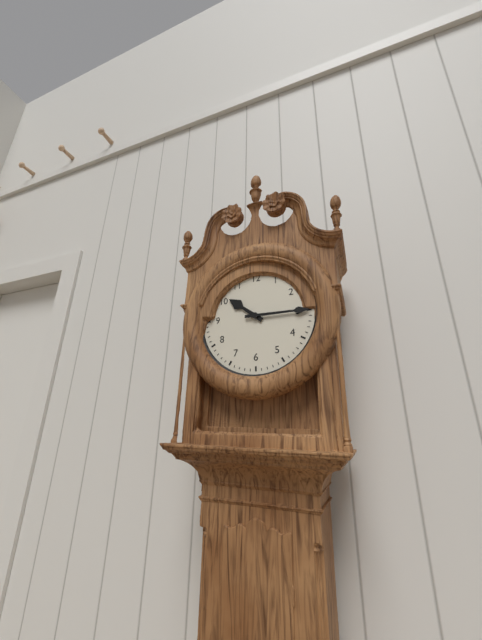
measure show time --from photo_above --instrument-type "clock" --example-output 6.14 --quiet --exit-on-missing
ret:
10.15
